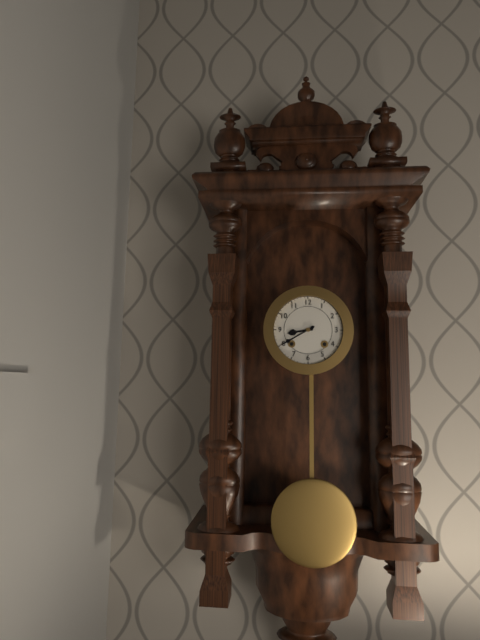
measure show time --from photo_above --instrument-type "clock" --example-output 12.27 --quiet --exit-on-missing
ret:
8.40
